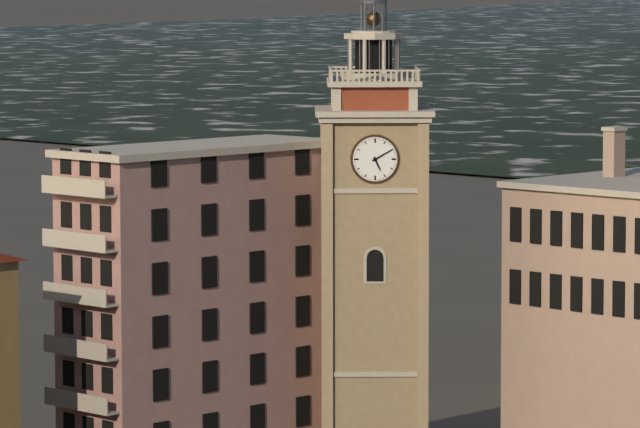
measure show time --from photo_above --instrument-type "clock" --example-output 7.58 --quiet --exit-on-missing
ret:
5.10
